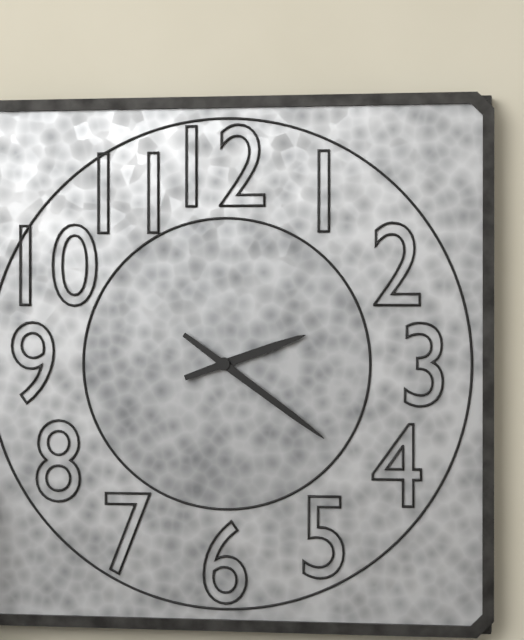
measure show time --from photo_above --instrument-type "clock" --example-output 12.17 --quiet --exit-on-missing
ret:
2.21
